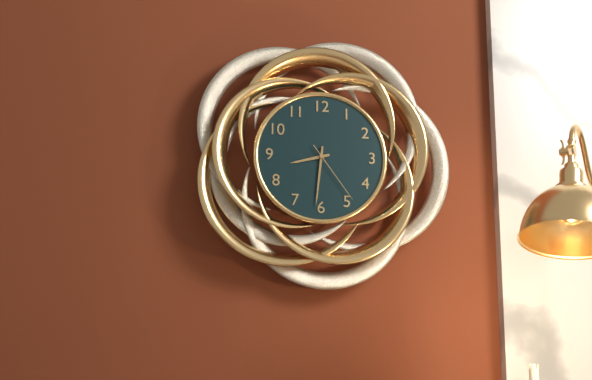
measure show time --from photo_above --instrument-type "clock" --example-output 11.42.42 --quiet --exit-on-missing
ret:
8.31.24
